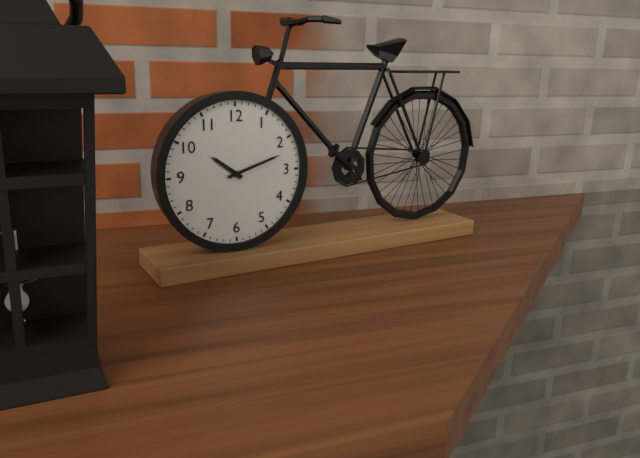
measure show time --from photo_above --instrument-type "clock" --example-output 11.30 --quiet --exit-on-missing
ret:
10.12
